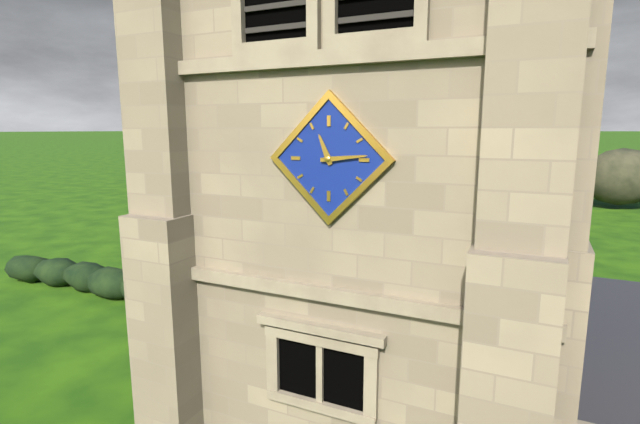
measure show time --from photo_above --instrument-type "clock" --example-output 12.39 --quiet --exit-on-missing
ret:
11.14
